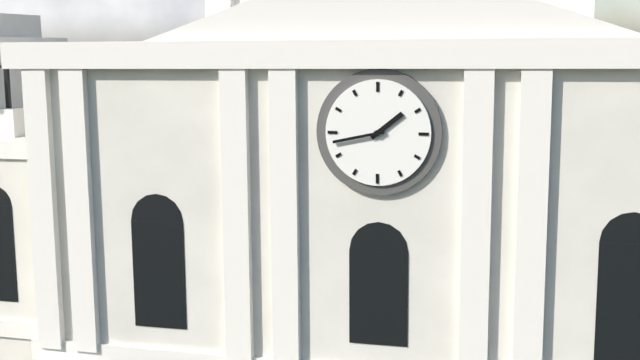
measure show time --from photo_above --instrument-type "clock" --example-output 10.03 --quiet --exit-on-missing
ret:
1.43
